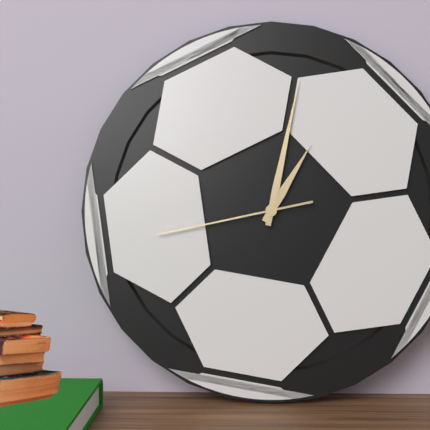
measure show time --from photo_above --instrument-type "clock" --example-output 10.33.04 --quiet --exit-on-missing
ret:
1.02.43
